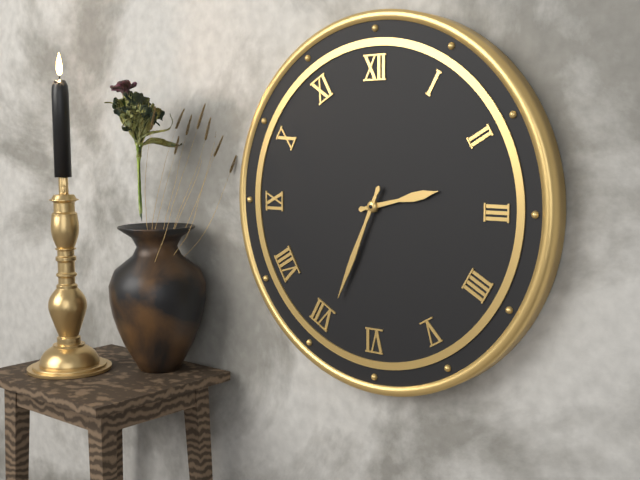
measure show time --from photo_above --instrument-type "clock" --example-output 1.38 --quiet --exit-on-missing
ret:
2.34
